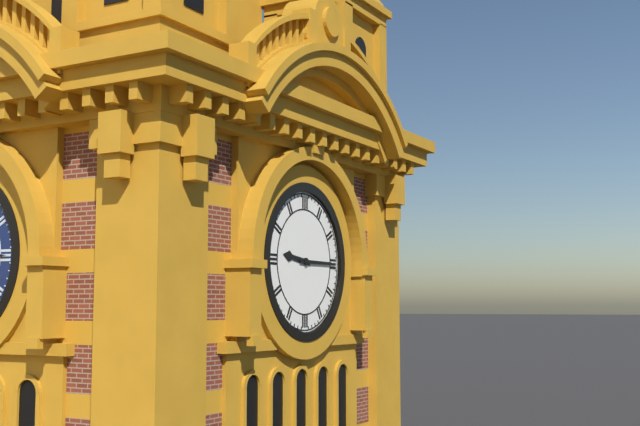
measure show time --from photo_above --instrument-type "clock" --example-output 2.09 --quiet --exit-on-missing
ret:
9.15
